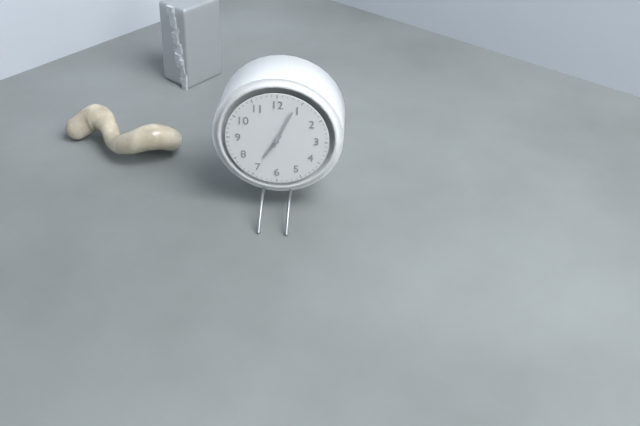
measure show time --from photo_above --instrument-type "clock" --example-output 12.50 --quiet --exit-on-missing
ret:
7.04
